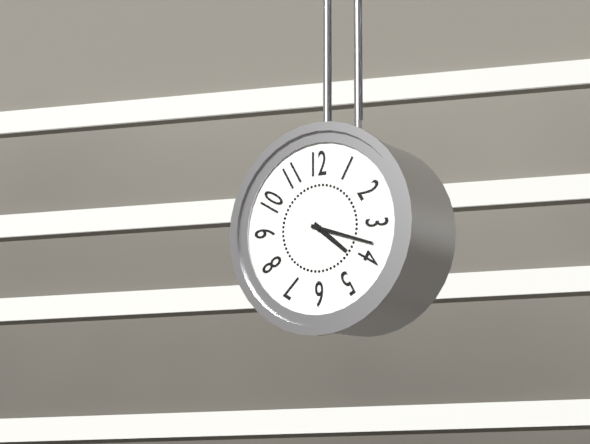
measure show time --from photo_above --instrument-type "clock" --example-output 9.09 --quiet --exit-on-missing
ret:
4.18
